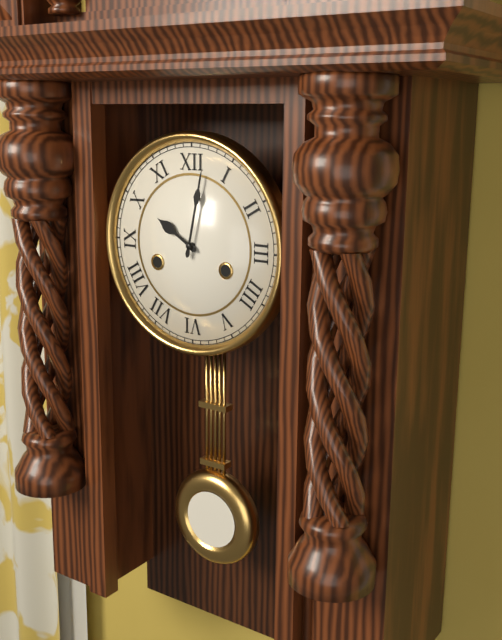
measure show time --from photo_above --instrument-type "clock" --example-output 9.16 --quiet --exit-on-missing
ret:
10.02
